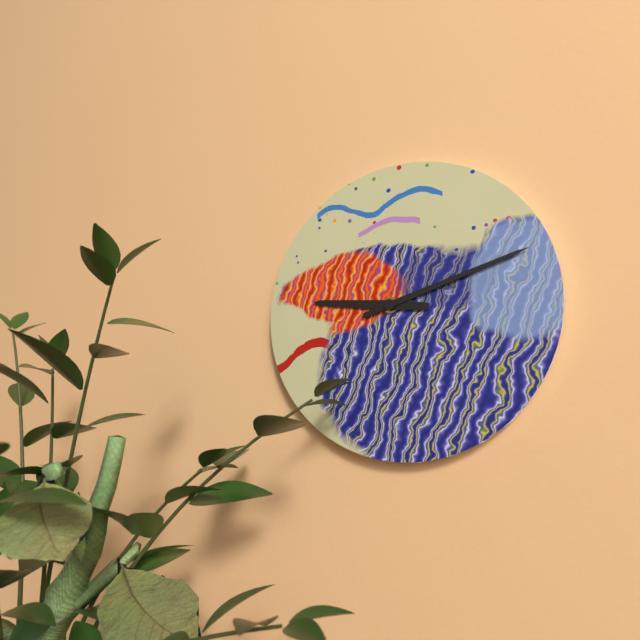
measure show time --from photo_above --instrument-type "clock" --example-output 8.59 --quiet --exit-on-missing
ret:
9.12
